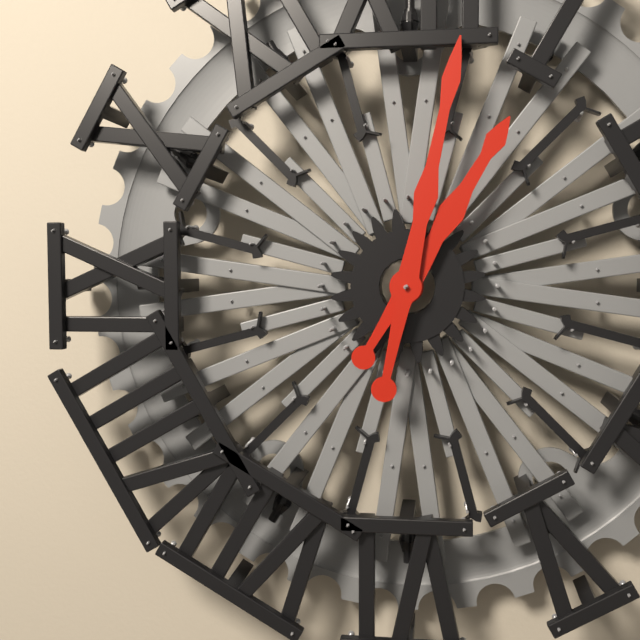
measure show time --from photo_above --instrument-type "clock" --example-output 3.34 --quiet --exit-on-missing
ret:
1.02
